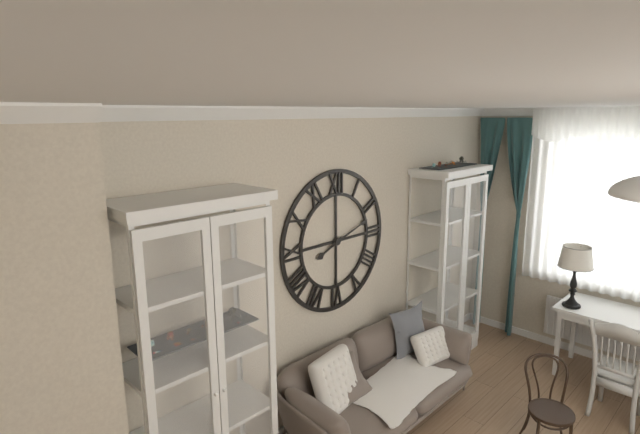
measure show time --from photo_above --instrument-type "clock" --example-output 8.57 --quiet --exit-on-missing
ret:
8.12
